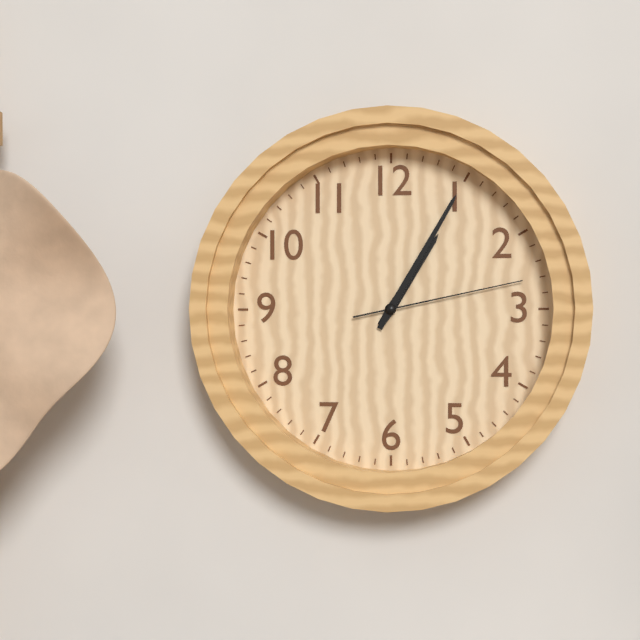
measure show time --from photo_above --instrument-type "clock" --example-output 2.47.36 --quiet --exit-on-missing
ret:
1.05.13
